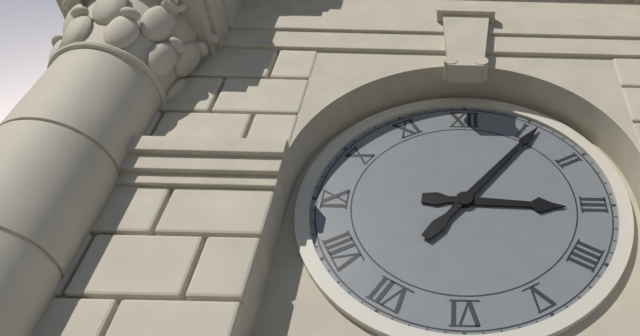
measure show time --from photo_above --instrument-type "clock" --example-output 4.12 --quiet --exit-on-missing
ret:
3.06
